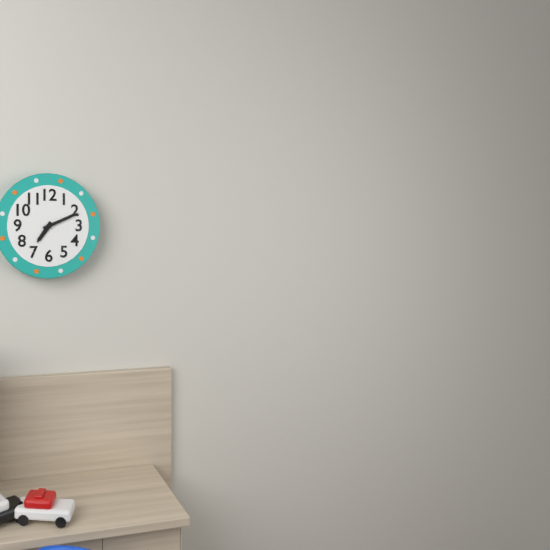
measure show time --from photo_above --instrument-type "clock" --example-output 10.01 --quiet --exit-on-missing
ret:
7.11
